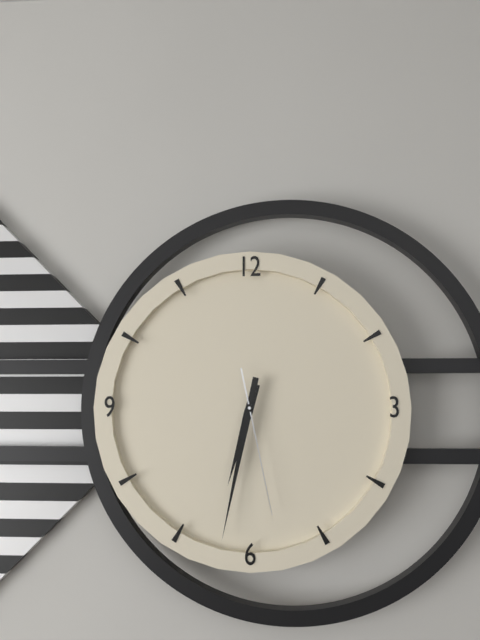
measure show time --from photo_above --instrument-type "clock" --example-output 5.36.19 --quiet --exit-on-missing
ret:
6.32.28
